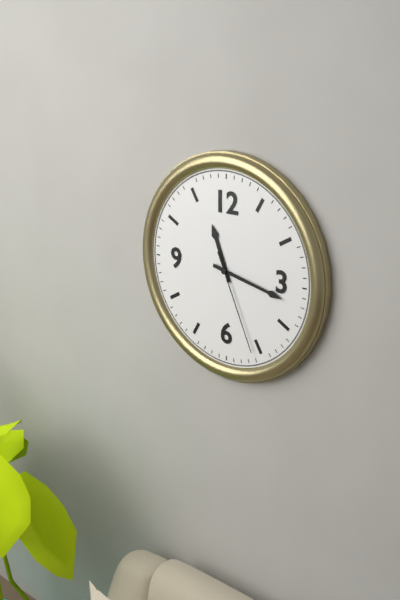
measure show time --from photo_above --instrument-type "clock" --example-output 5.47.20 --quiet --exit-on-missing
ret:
11.17.26
